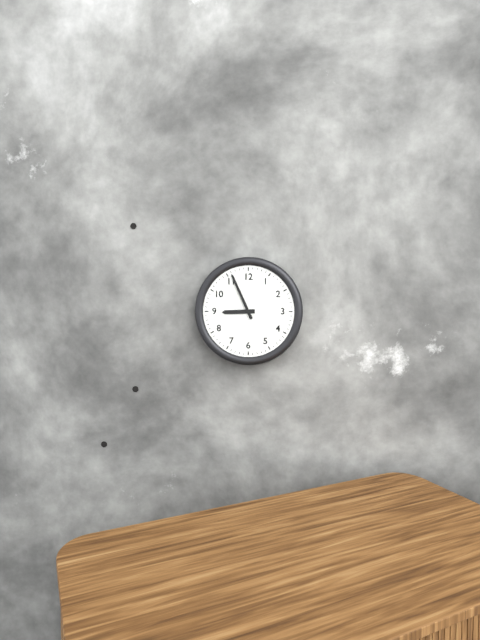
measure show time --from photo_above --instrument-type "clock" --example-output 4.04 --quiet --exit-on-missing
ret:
8.56
